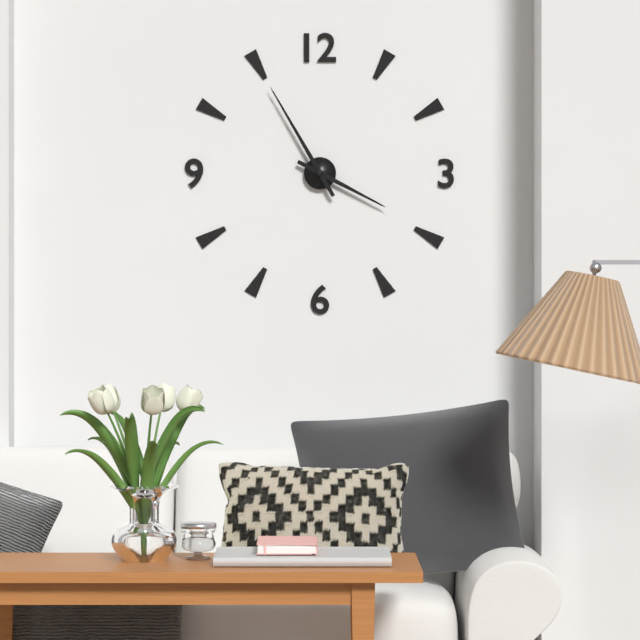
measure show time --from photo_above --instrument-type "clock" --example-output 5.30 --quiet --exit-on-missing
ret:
3.55
